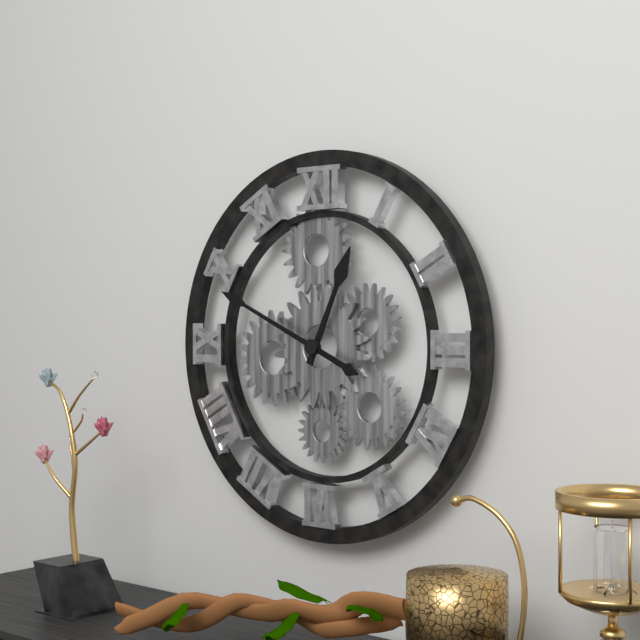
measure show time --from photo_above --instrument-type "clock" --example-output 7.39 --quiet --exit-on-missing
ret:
12.49
